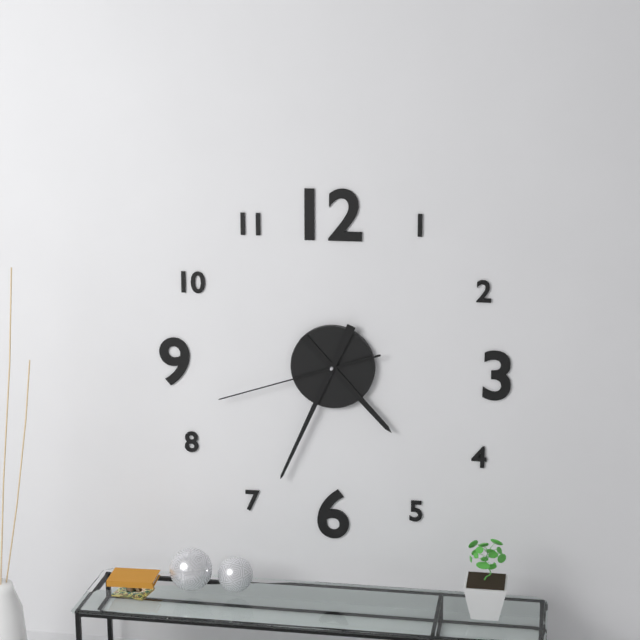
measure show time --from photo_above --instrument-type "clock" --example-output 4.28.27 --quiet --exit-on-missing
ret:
4.34.42
